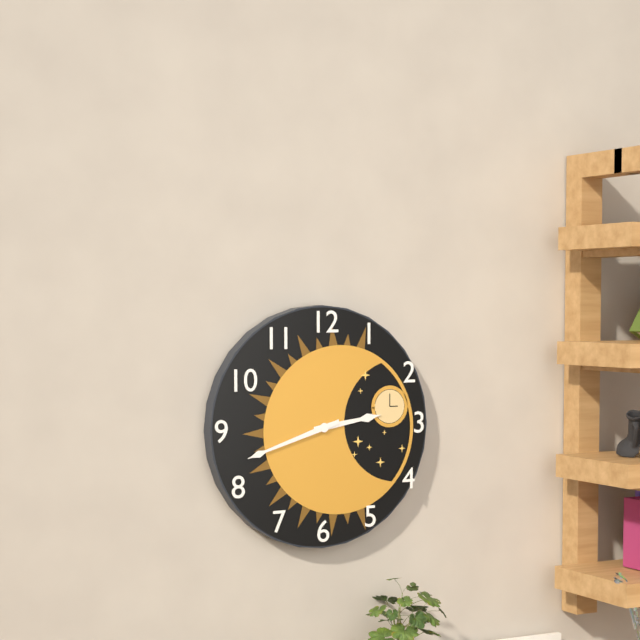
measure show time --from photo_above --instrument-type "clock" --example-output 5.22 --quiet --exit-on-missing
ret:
2.42
